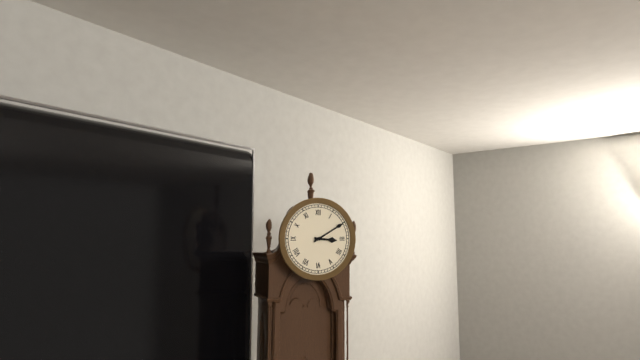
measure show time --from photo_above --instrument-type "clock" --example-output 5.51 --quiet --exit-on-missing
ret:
3.10
